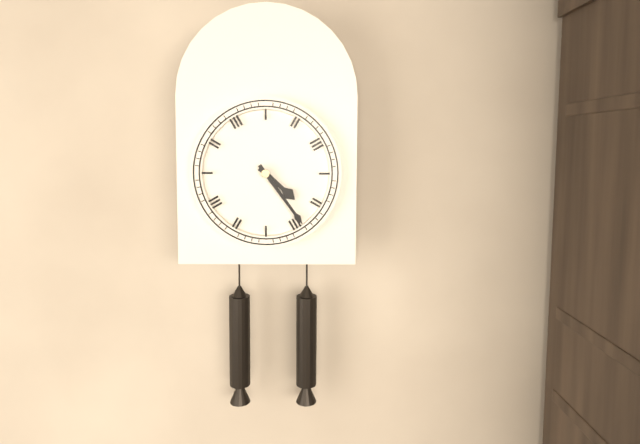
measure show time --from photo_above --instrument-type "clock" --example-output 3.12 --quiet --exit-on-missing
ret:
4.24
